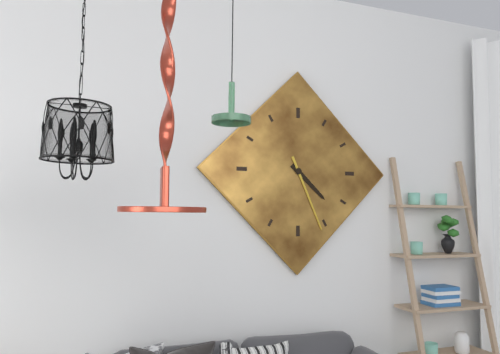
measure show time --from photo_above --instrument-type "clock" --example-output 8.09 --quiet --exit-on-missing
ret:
4.26
